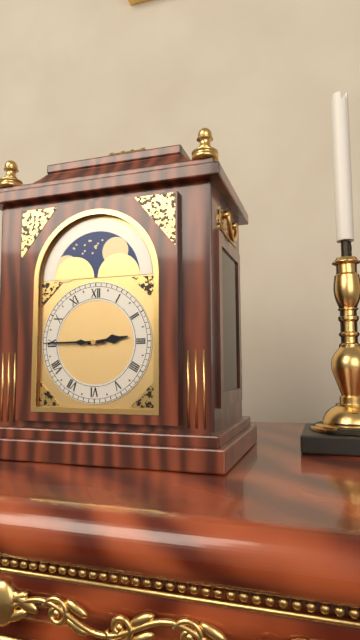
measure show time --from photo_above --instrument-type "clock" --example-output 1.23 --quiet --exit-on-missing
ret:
2.45
